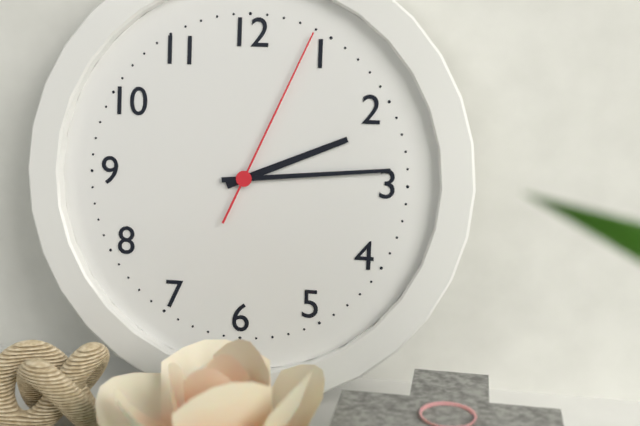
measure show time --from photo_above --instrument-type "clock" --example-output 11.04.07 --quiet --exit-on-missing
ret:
2.14.04
